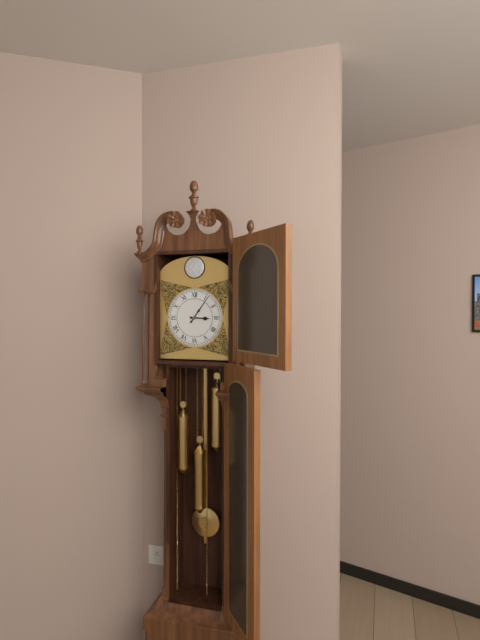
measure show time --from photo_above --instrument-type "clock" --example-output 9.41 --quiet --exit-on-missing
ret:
3.06
